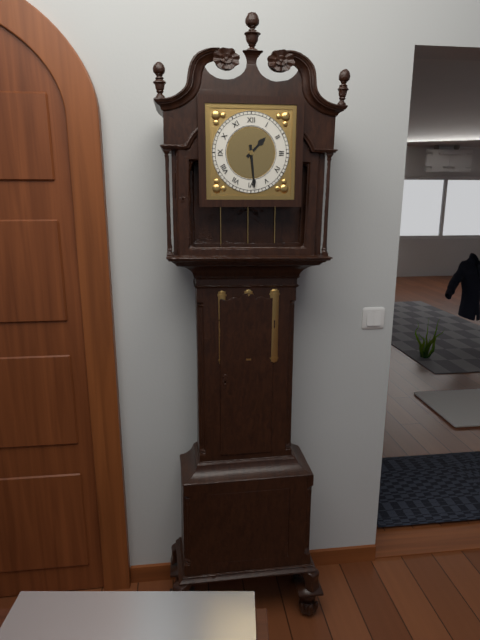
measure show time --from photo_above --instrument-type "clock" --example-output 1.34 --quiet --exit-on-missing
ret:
1.29
